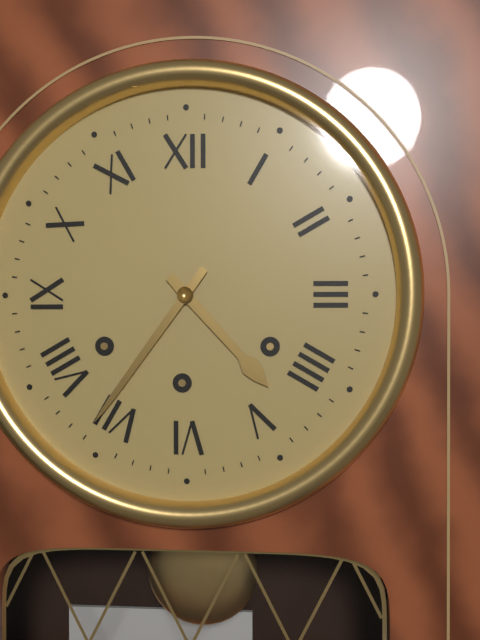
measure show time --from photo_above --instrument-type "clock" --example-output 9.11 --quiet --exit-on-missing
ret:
4.36
